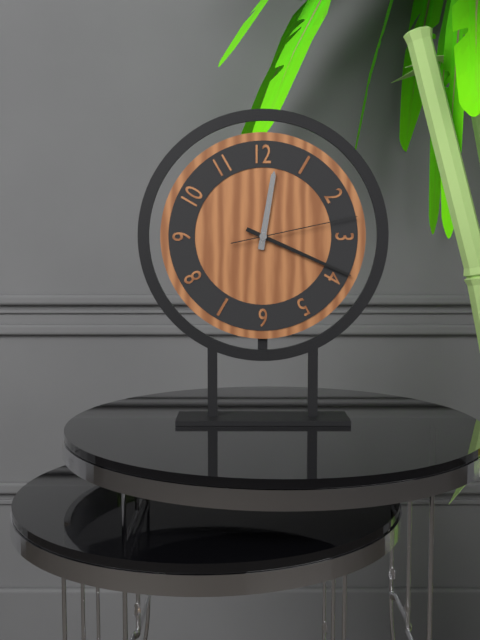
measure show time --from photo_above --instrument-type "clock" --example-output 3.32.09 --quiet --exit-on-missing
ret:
12.19.13
